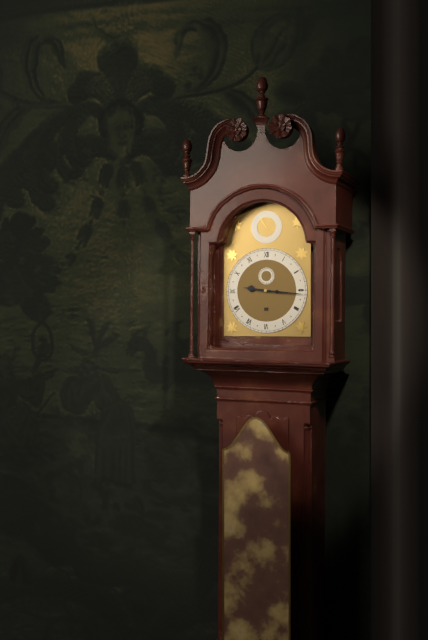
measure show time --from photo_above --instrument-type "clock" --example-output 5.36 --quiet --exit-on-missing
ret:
9.16
